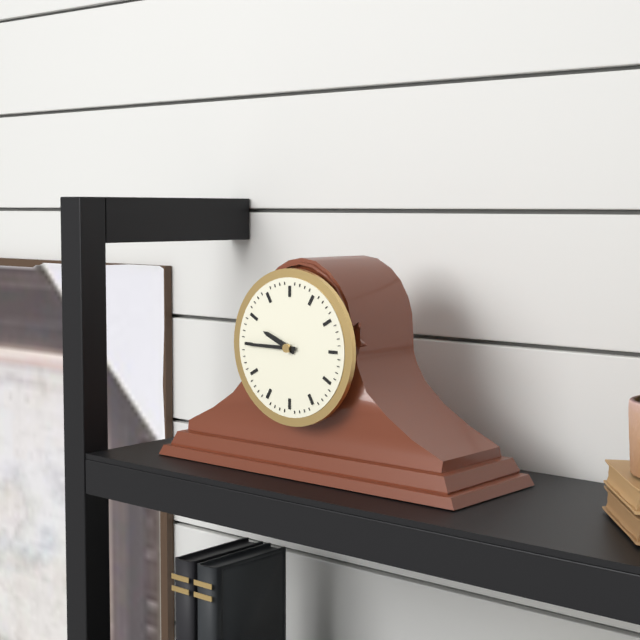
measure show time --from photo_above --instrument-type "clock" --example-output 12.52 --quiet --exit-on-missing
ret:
9.45
